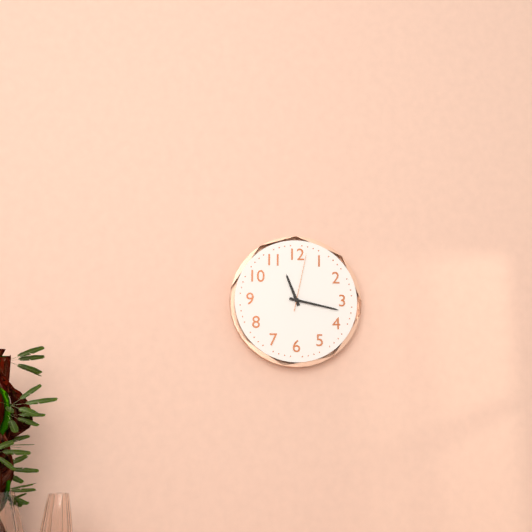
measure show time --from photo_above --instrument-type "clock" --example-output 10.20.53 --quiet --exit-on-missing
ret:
11.17.02
